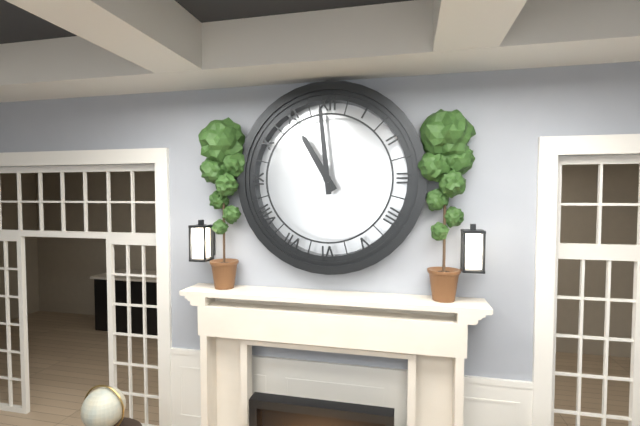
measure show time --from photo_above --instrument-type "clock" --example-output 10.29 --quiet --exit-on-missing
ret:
10.59
